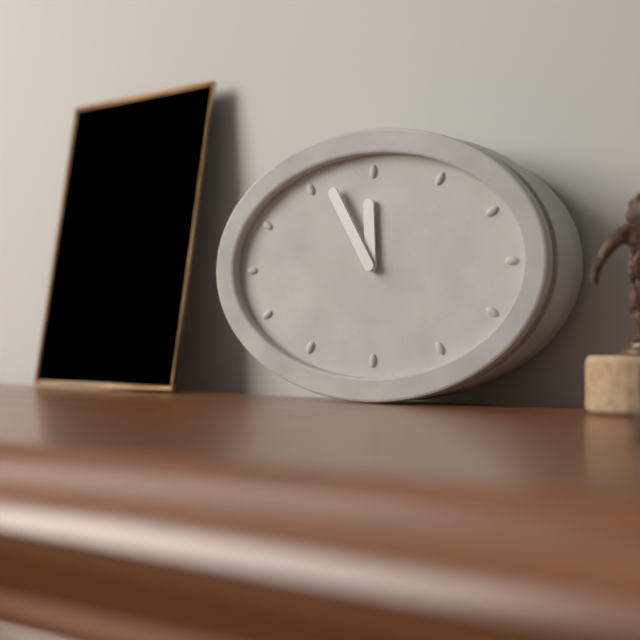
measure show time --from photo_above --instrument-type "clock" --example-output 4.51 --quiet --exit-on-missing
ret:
11.55
